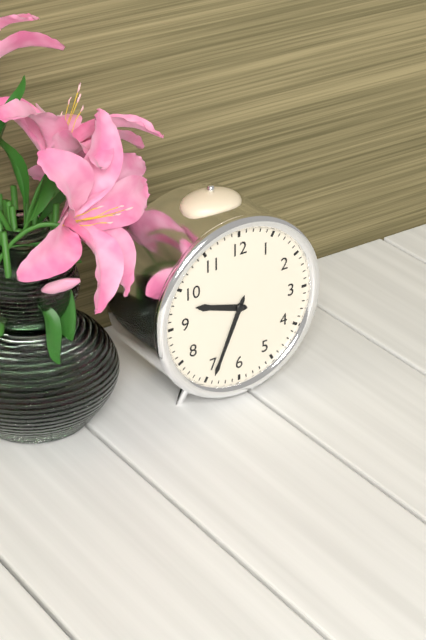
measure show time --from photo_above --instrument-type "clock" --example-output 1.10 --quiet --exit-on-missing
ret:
9.34
